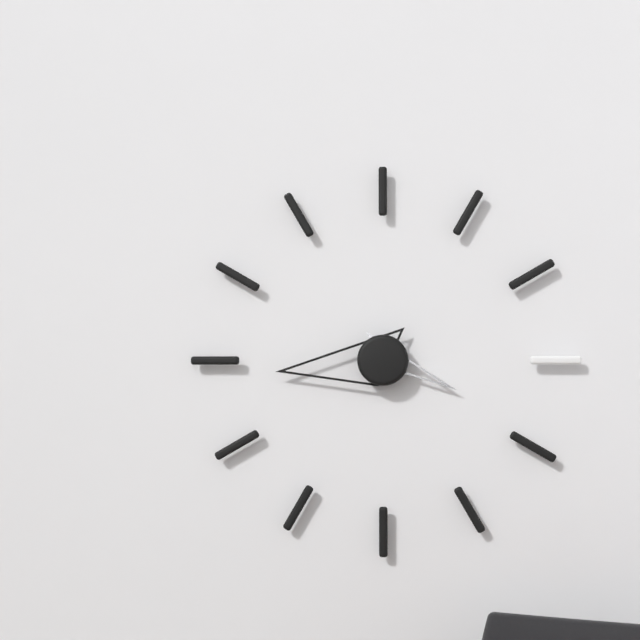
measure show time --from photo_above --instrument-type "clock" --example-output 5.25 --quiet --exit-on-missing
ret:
3.44
